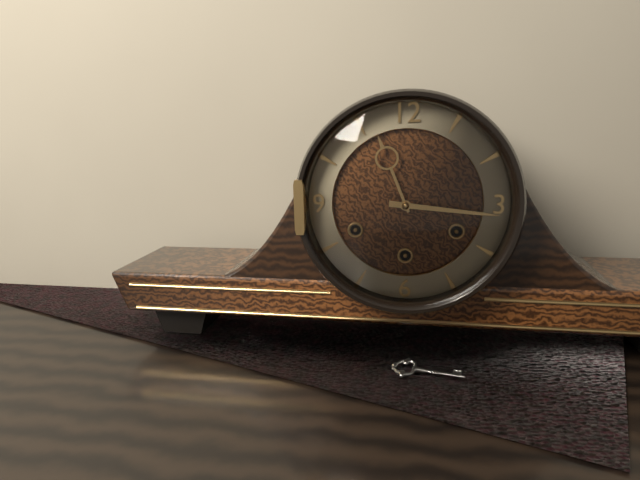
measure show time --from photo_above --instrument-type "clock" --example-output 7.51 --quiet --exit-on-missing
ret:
11.16
